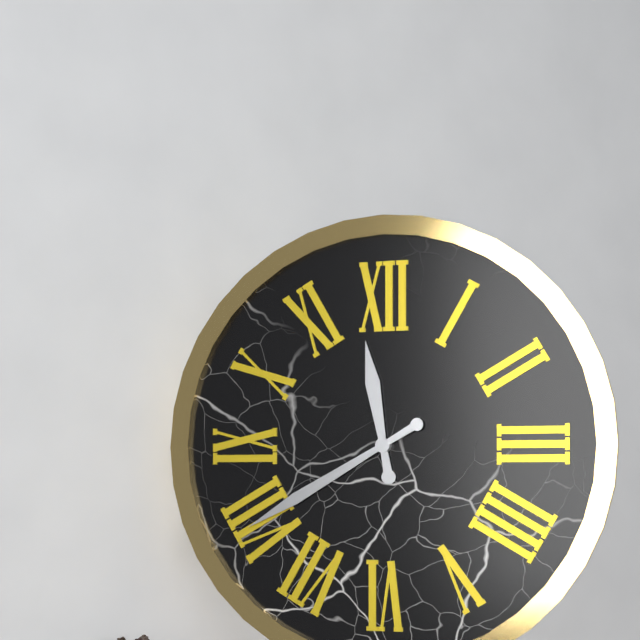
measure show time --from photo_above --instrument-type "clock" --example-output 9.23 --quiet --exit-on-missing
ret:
11.40
